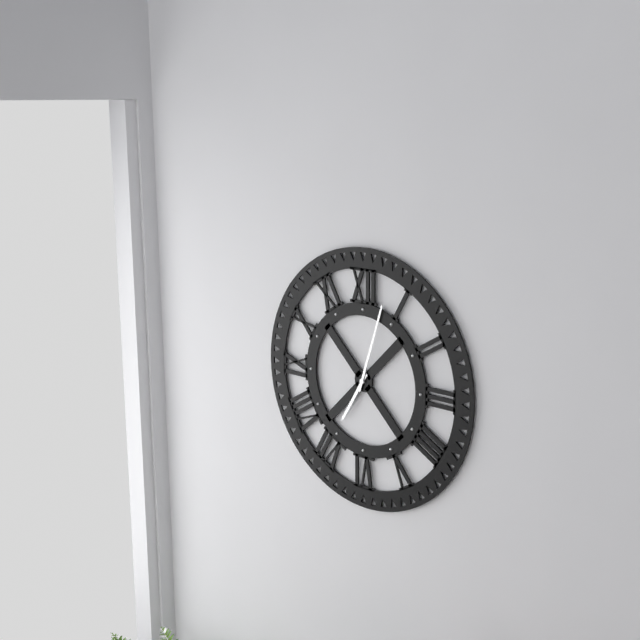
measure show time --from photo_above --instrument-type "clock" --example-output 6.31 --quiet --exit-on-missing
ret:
7.03
